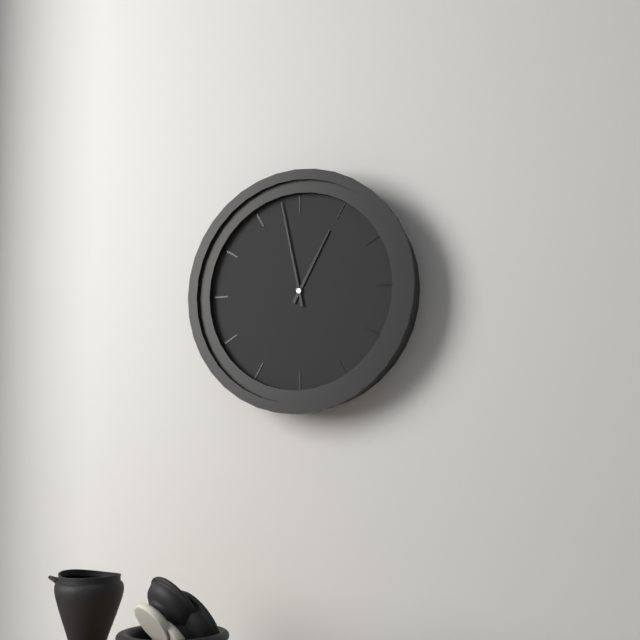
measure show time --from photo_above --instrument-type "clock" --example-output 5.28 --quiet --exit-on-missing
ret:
12.58
